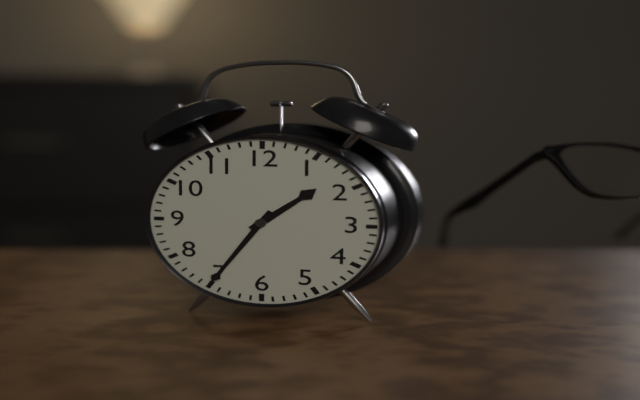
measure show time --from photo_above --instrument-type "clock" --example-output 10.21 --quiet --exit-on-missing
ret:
1.35
